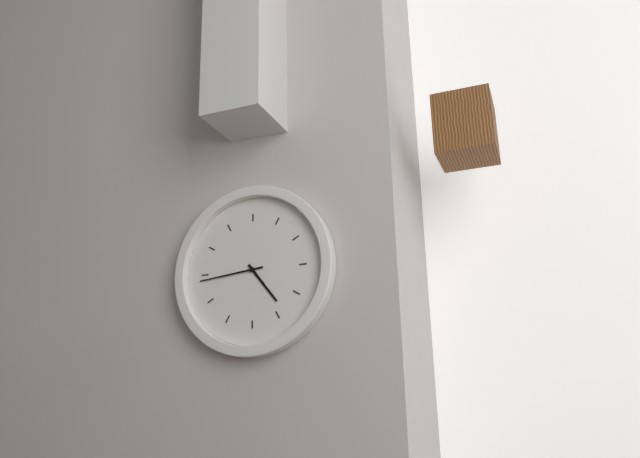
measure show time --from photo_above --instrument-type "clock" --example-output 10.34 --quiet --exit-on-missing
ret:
4.44
